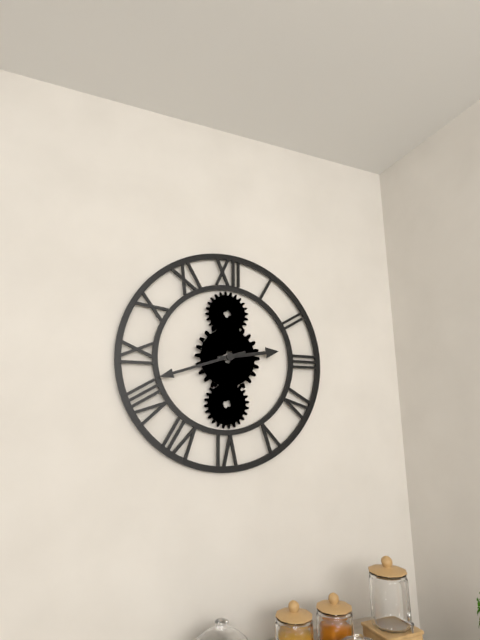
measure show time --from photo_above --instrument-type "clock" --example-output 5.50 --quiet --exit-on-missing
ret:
2.42
